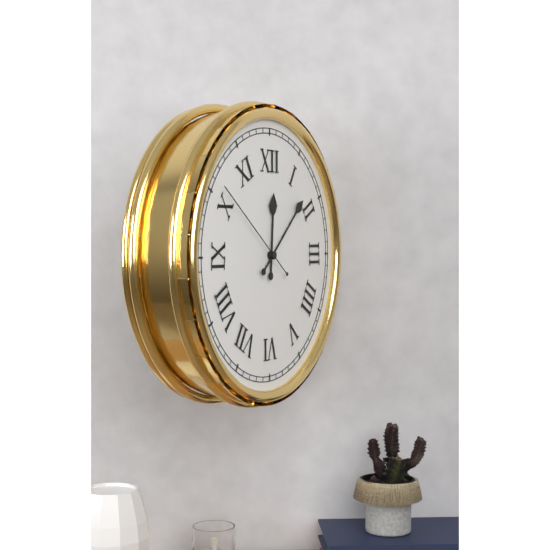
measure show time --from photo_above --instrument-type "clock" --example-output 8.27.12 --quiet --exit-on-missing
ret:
12.08.51
